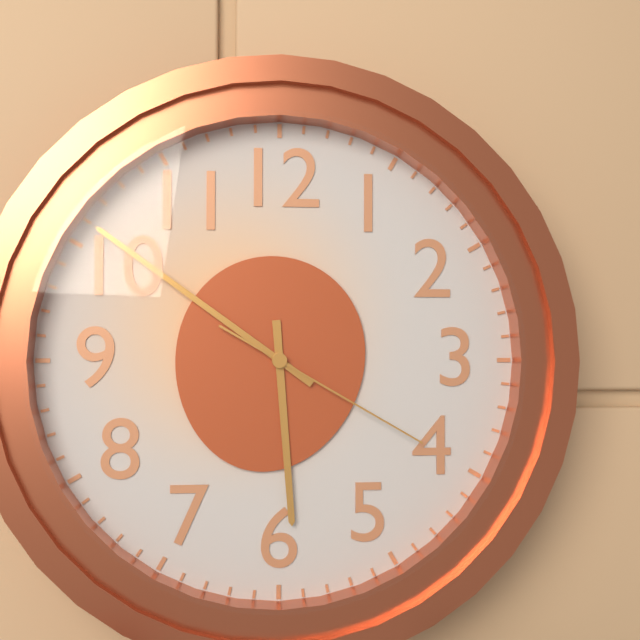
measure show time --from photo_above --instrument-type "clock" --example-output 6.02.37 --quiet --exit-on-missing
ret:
5.51.20
